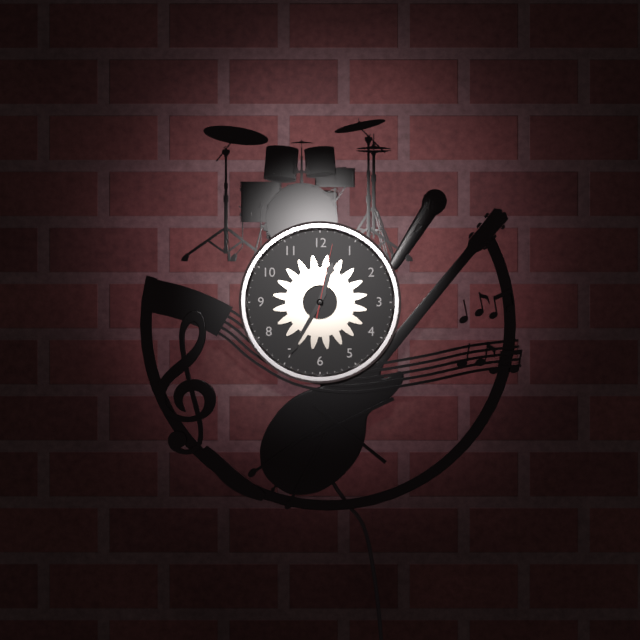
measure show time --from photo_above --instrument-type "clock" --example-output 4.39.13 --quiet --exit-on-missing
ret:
12.35.02
